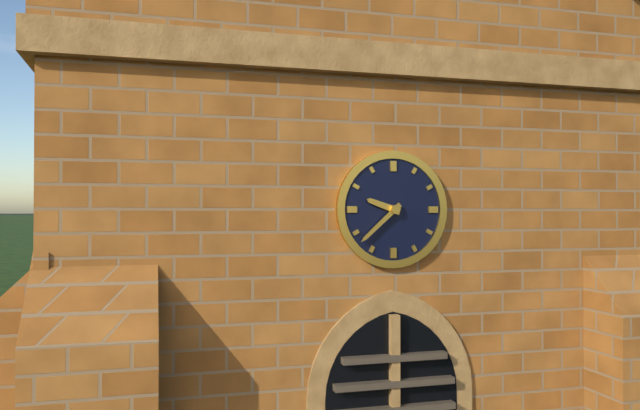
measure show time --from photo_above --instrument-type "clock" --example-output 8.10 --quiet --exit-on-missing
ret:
9.38
